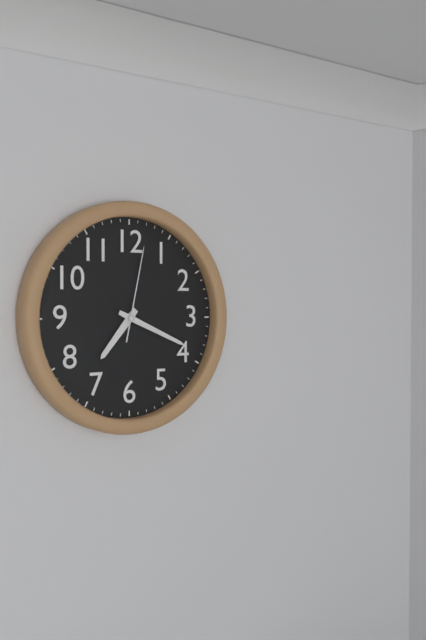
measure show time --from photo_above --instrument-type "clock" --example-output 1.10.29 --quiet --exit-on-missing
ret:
7.19.02
